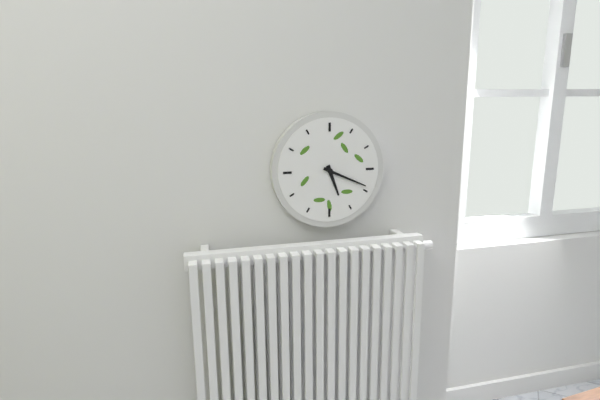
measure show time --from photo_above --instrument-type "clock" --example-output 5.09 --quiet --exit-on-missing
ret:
5.19
